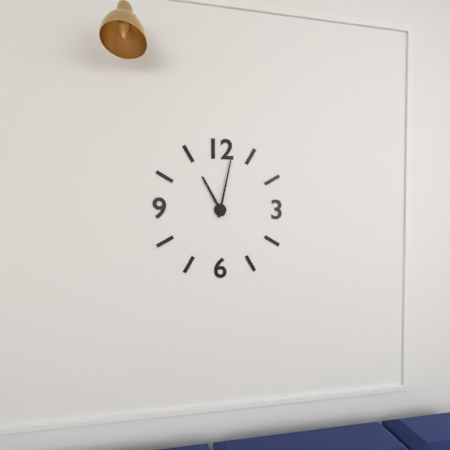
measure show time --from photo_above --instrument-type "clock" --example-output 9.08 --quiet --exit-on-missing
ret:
11.02
